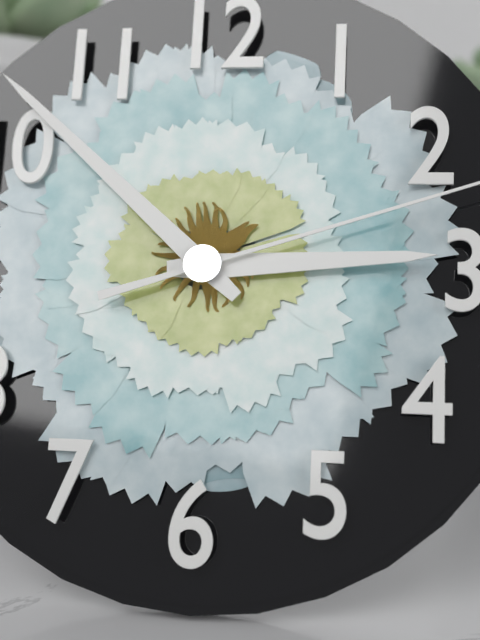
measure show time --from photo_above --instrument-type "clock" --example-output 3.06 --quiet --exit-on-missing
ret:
2.52
